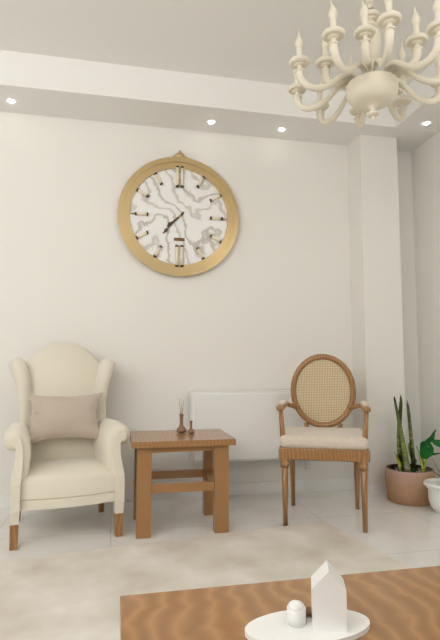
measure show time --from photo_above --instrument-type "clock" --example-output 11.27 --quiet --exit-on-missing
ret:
7.37
